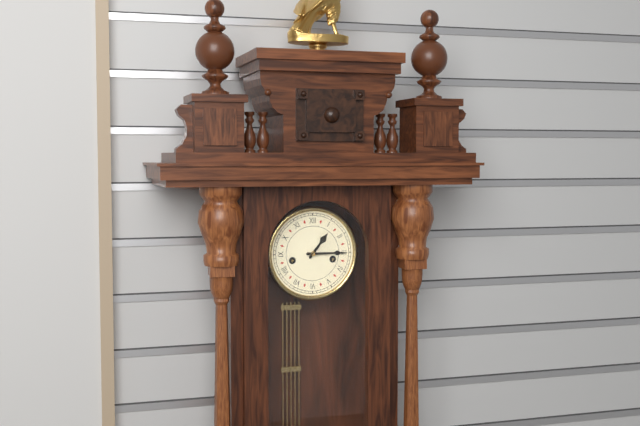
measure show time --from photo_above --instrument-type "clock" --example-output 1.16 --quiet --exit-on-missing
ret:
1.15
